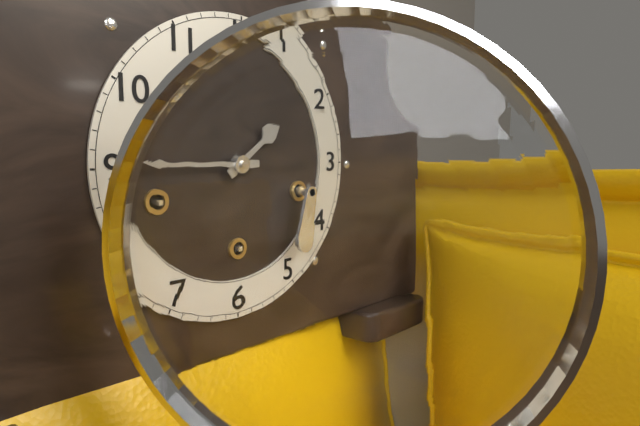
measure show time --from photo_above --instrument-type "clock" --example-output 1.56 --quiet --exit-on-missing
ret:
1.45
